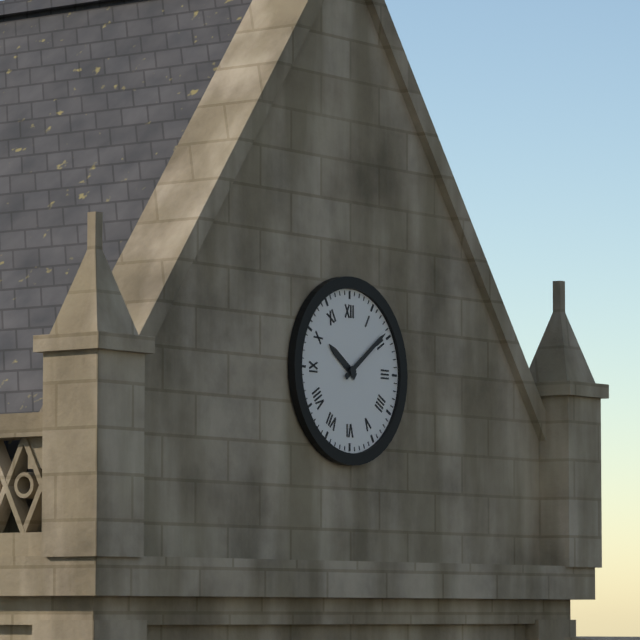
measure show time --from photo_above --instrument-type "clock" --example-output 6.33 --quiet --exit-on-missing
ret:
10.09
